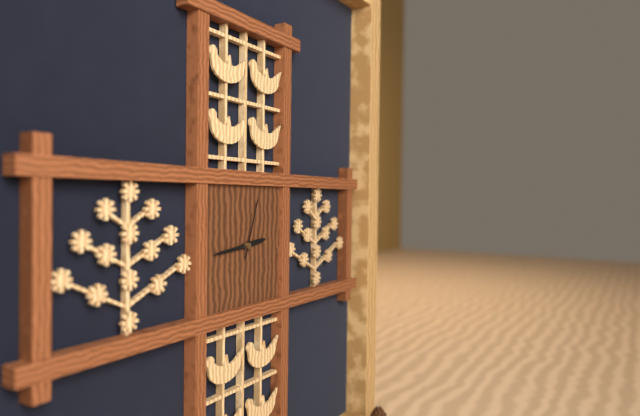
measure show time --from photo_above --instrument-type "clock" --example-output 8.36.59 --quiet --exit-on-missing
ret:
2.44.03
